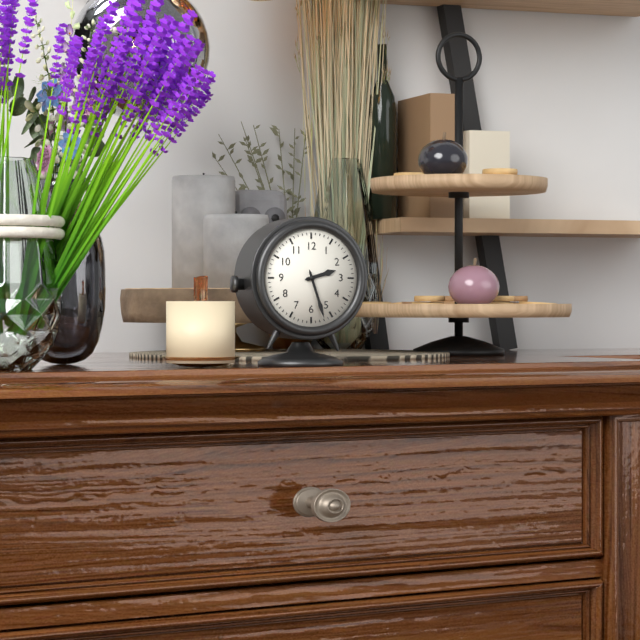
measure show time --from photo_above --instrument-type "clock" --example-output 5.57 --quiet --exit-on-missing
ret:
2.27
